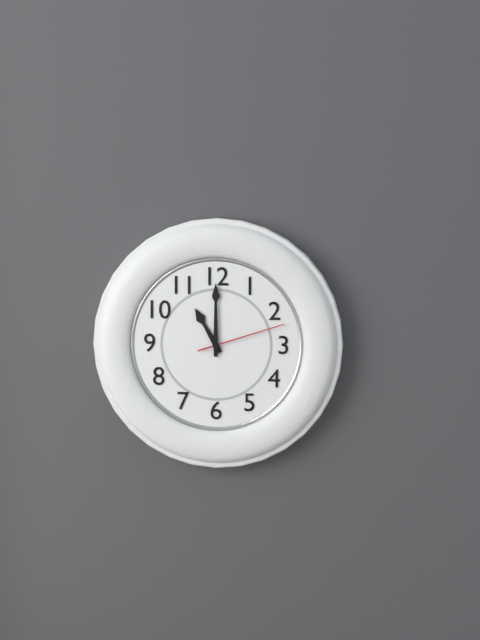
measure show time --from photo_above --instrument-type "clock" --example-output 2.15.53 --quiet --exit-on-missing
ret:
11.00.12
